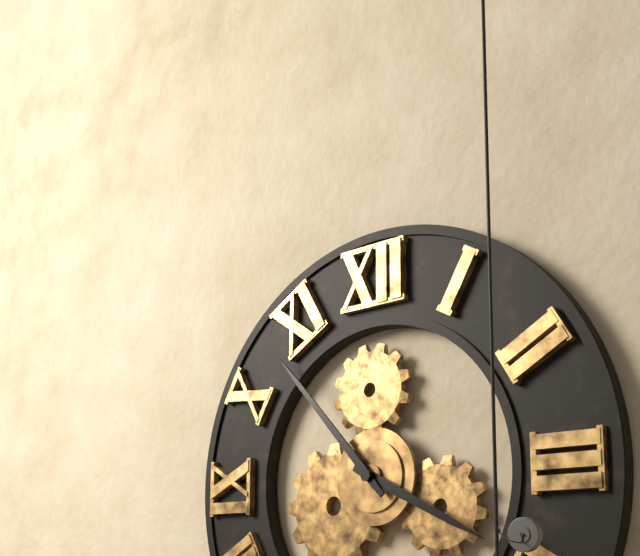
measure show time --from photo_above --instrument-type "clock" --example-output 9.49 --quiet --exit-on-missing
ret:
3.53
